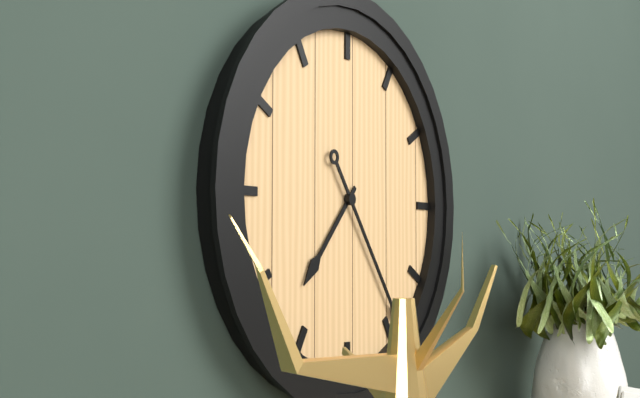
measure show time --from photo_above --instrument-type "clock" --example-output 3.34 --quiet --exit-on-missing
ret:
7.24
